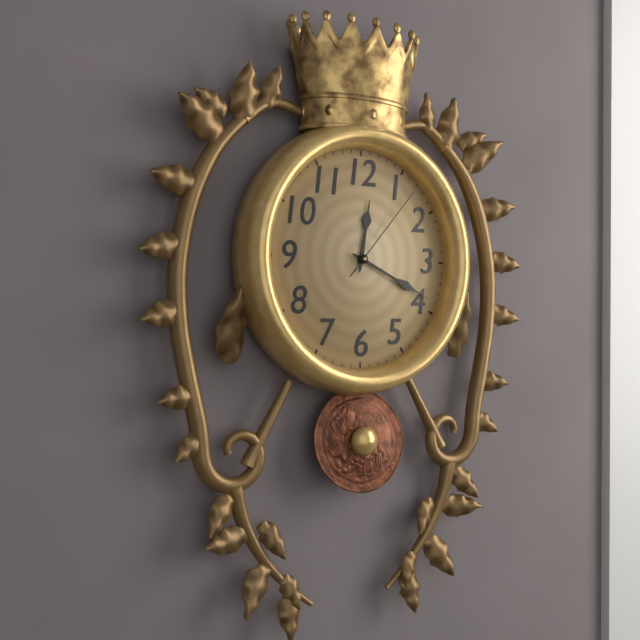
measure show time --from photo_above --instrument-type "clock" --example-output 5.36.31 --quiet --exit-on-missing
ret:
12.19.07
